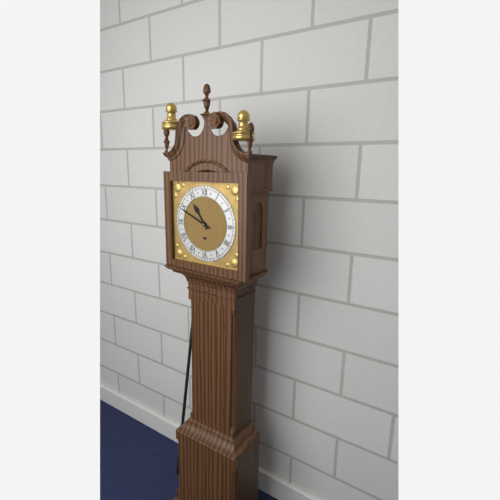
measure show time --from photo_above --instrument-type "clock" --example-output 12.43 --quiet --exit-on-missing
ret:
10.49
